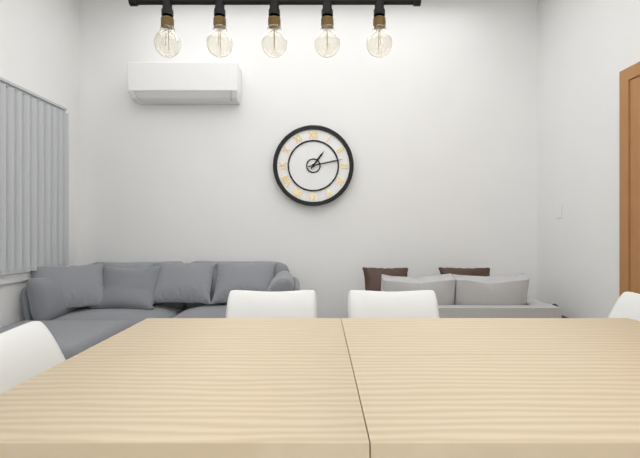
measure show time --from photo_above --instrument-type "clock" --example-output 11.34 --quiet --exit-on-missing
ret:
1.13
